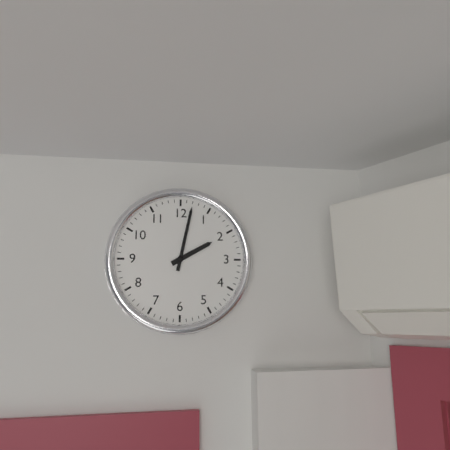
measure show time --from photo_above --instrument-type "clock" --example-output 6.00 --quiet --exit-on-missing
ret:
2.02
